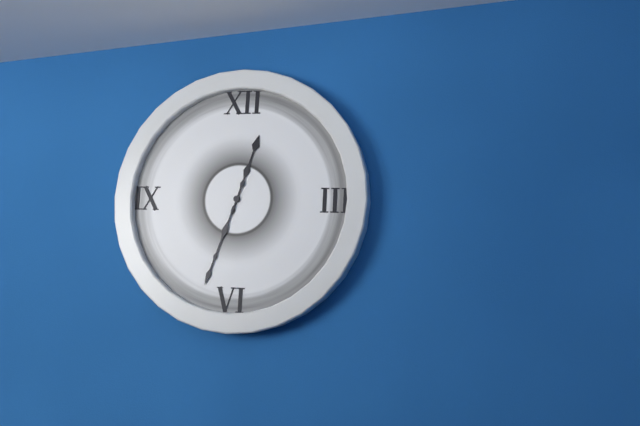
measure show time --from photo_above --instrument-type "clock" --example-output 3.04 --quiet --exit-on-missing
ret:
12.33
